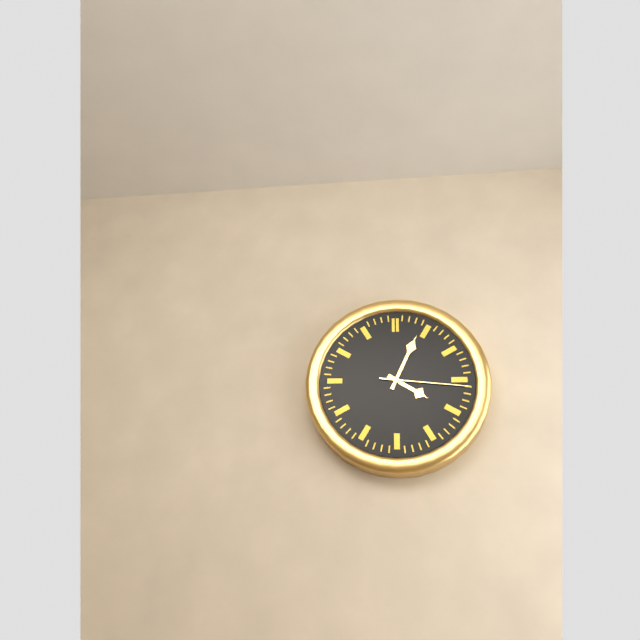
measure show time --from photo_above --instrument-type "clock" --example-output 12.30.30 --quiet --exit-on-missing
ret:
4.04.16
